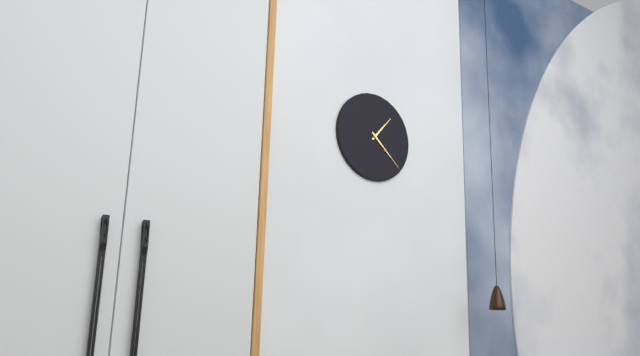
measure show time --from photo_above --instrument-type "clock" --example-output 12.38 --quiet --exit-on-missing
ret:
1.22
